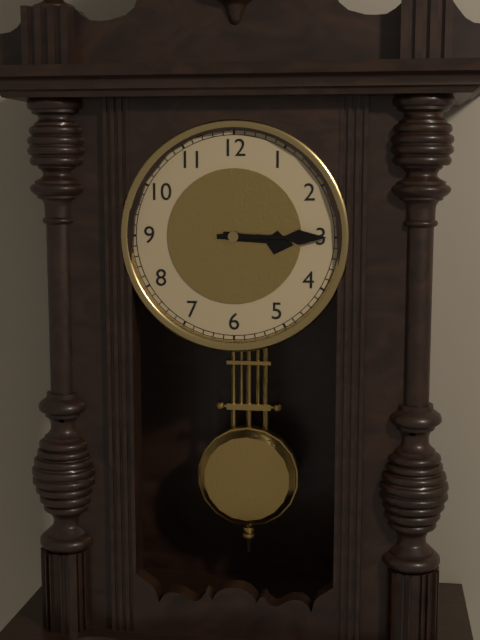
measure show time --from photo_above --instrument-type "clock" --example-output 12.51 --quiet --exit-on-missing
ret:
3.15
